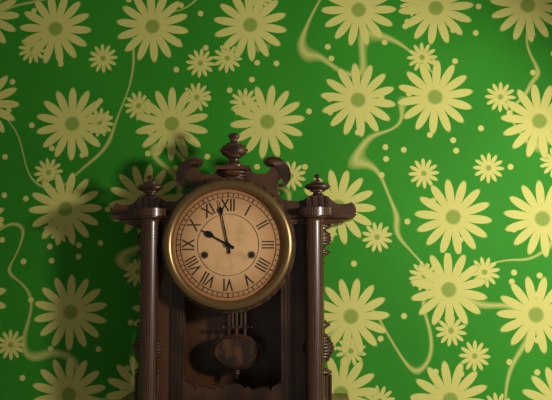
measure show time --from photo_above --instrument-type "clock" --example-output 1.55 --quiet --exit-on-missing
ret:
9.58
